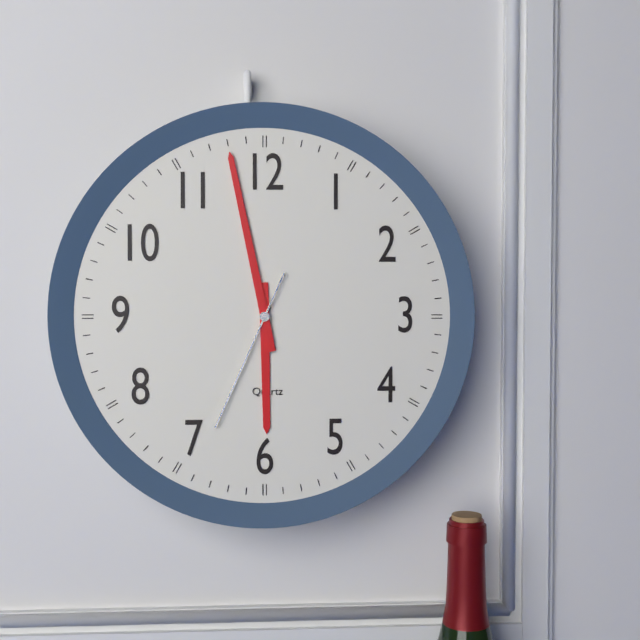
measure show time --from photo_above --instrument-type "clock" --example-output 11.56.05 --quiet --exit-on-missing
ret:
5.58.34
